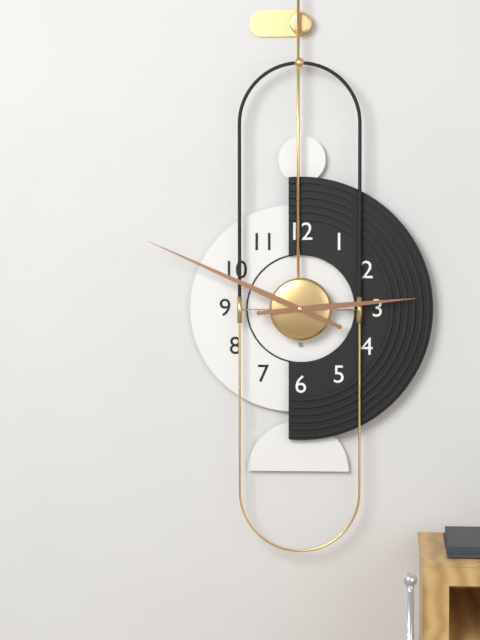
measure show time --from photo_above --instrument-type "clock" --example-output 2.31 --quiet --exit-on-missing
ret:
2.49
